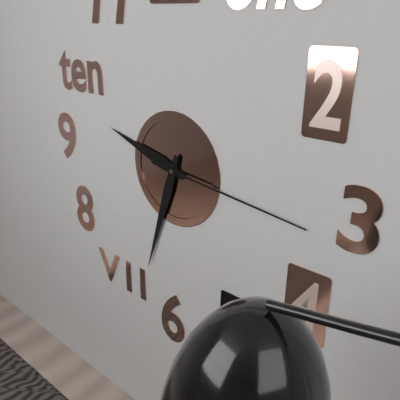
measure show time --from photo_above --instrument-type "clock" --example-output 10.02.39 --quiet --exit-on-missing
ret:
9.33.16
